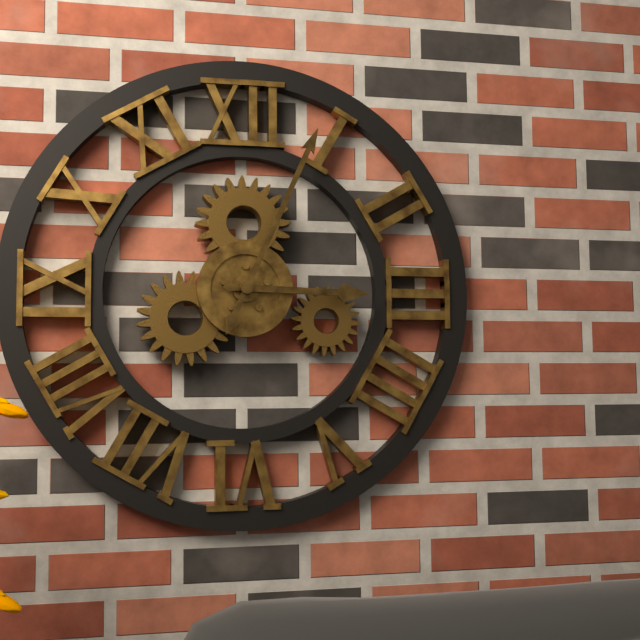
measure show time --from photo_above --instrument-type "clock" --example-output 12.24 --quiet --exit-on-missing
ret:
3.04
